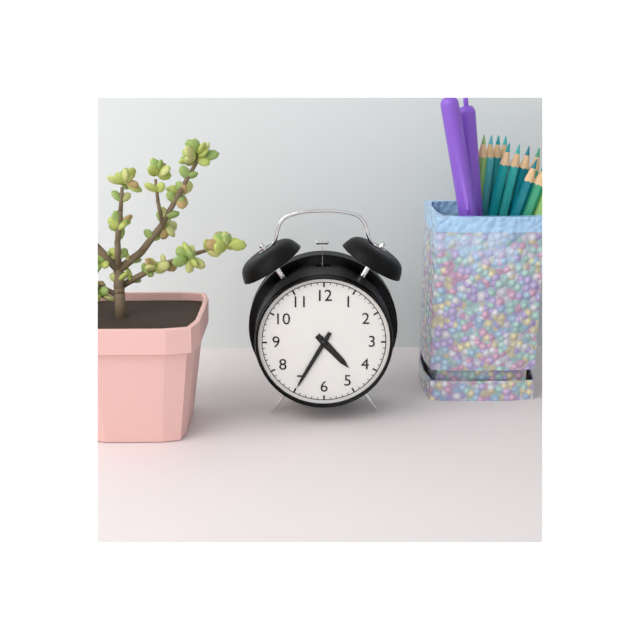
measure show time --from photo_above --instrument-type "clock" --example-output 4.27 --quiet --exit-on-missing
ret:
4.35
